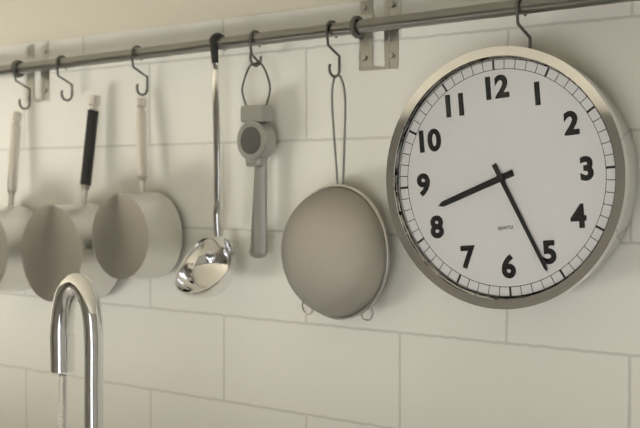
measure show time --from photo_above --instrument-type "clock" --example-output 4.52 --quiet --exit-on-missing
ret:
8.26
